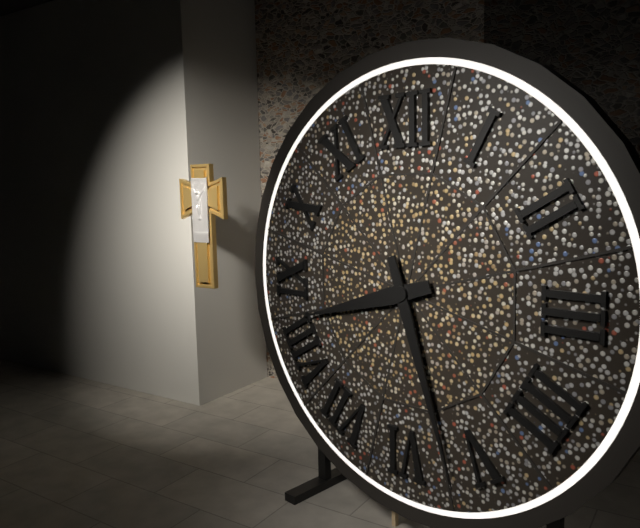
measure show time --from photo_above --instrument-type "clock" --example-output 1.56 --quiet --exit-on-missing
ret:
8.27
